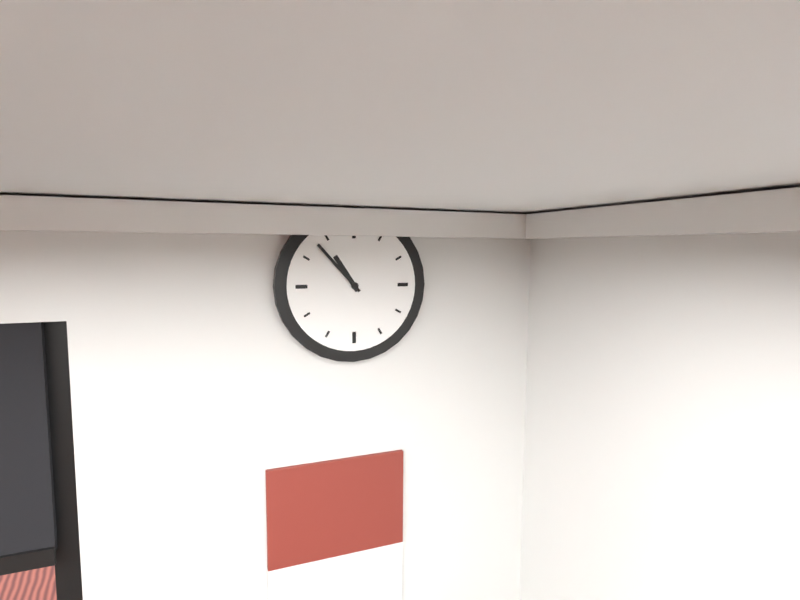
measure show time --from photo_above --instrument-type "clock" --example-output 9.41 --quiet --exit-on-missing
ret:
10.53
